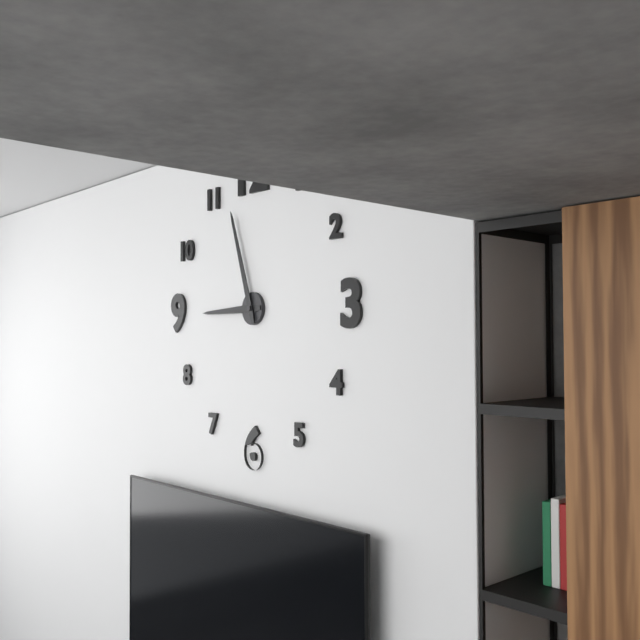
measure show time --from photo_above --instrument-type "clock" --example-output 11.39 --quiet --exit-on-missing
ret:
8.57
